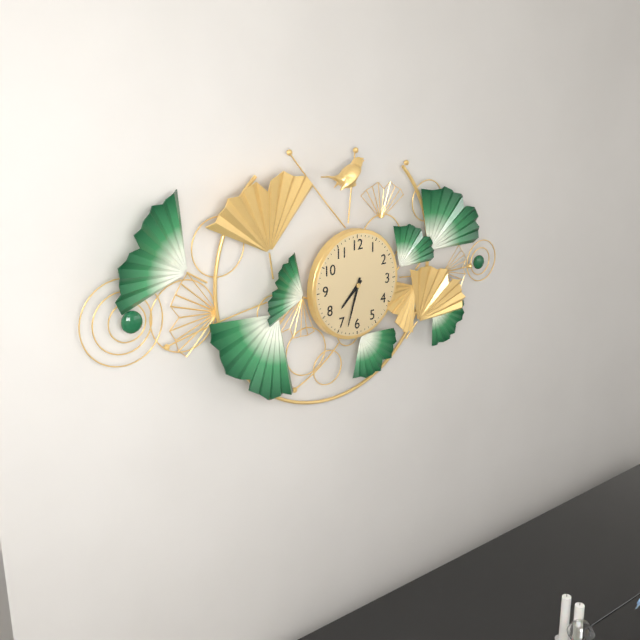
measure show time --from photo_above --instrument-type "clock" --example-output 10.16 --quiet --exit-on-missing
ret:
7.33
